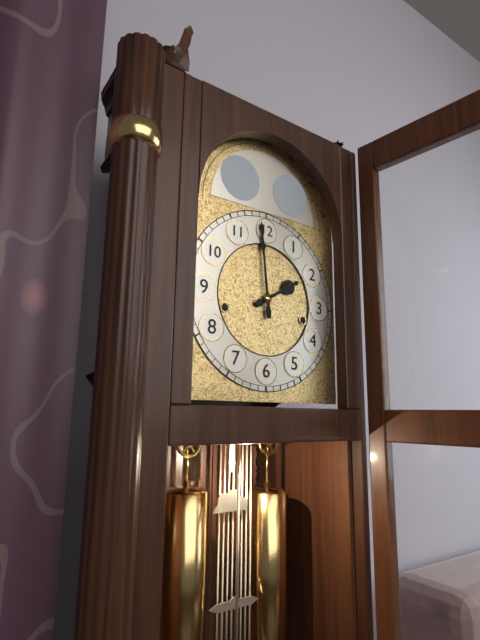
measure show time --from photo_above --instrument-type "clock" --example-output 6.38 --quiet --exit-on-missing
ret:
1.59
